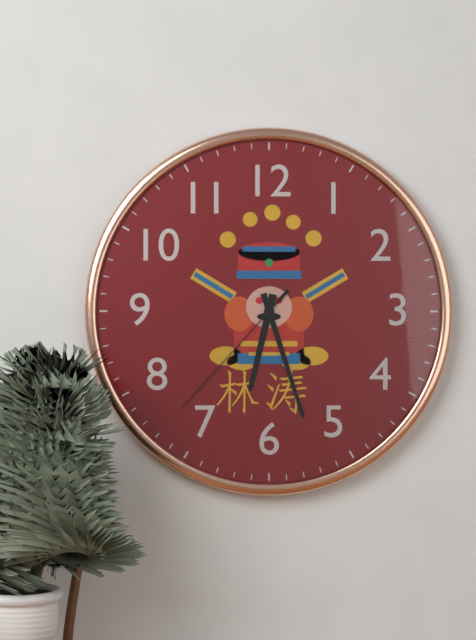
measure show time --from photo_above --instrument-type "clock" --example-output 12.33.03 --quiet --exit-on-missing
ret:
6.27.37
